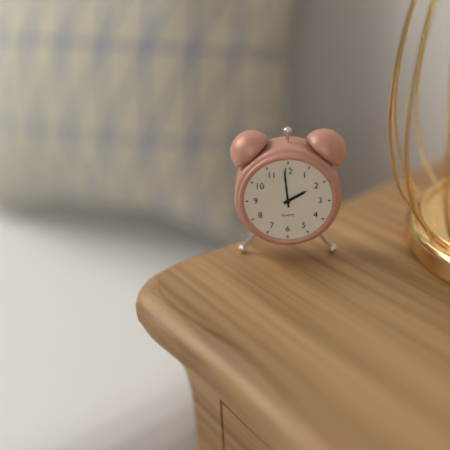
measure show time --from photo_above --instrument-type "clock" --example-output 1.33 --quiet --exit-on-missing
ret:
1.59
